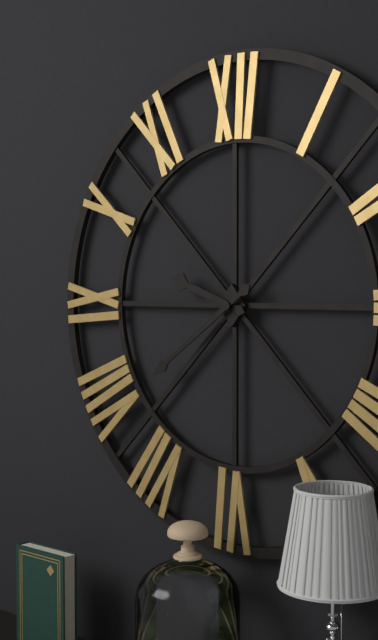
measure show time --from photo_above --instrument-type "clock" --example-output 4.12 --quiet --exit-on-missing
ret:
9.39
